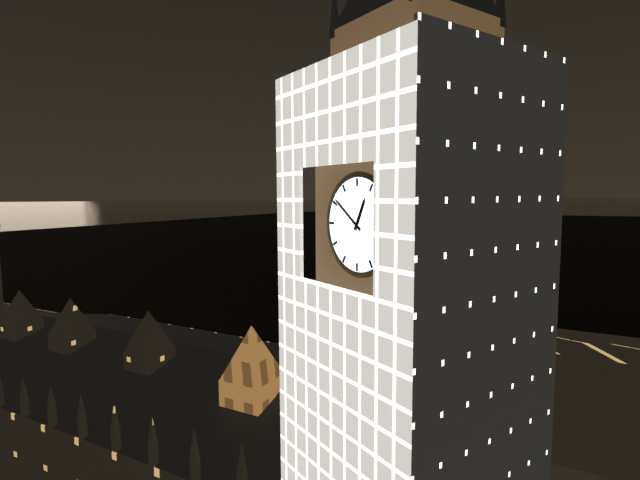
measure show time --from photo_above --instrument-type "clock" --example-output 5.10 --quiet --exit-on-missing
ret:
12.51
